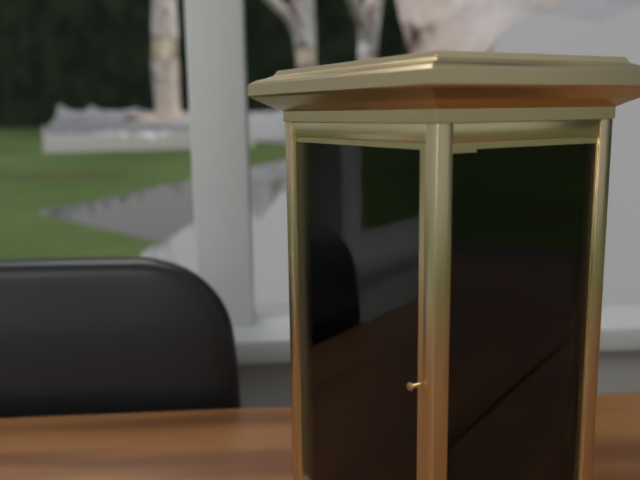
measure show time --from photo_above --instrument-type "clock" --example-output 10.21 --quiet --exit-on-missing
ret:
1.01
